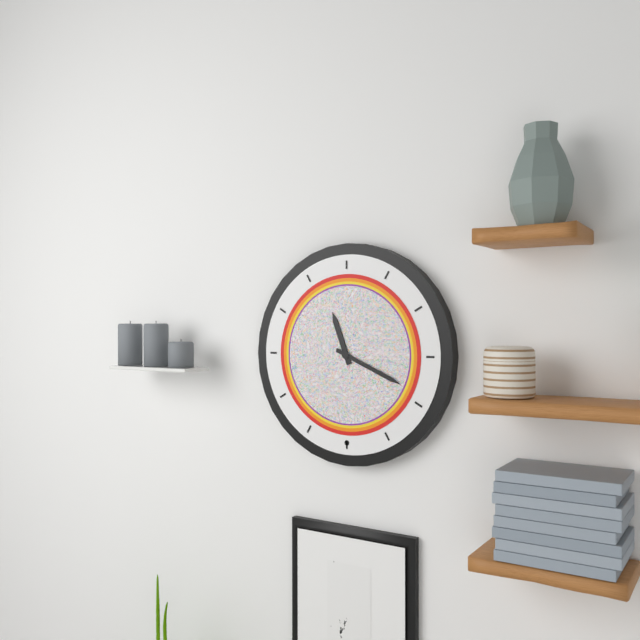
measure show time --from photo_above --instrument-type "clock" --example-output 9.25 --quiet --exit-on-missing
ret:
11.19
